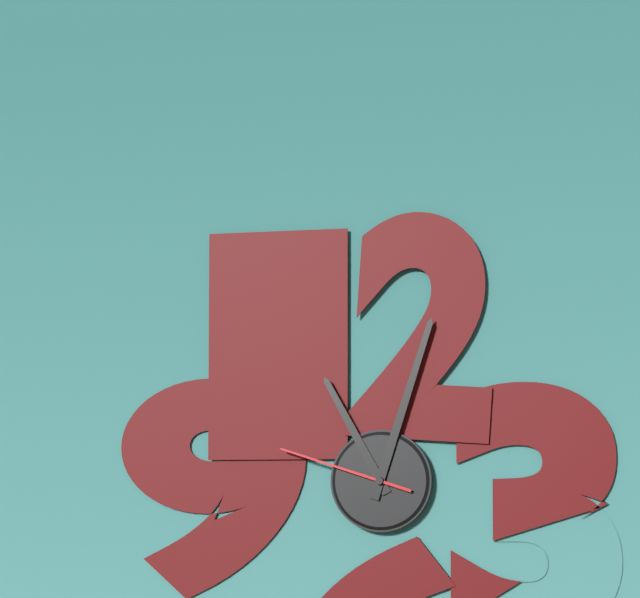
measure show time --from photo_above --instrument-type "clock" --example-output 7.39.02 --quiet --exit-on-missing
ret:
11.03.48
